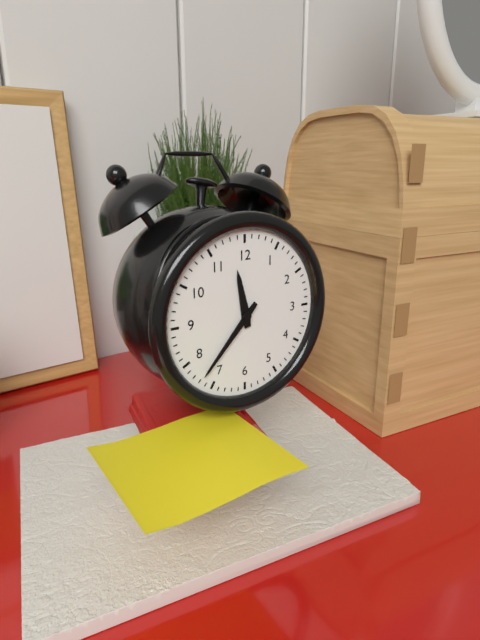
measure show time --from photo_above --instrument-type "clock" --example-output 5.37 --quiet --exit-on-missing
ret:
11.37
